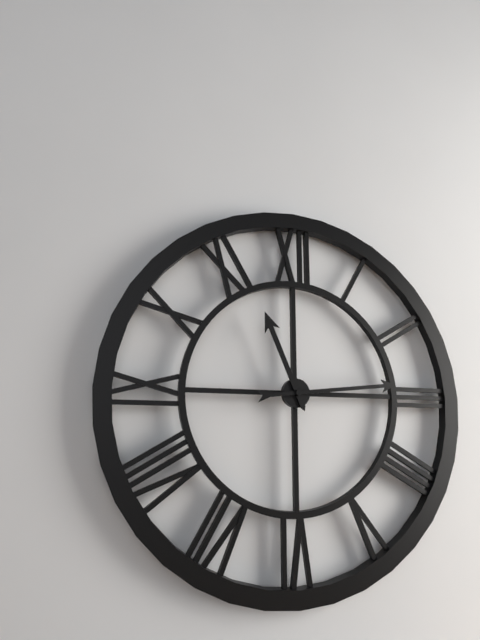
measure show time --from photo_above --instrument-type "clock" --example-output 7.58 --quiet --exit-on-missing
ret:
11.14
